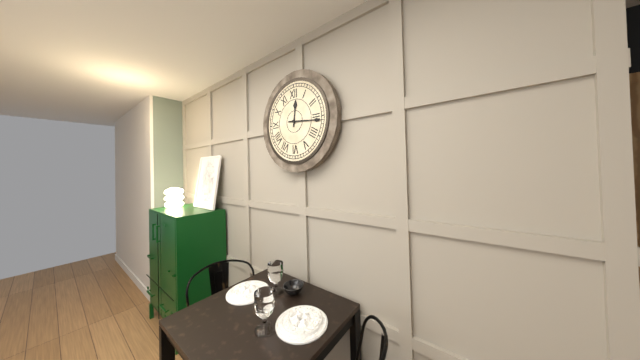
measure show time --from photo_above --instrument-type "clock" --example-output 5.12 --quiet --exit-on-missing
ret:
12.16
